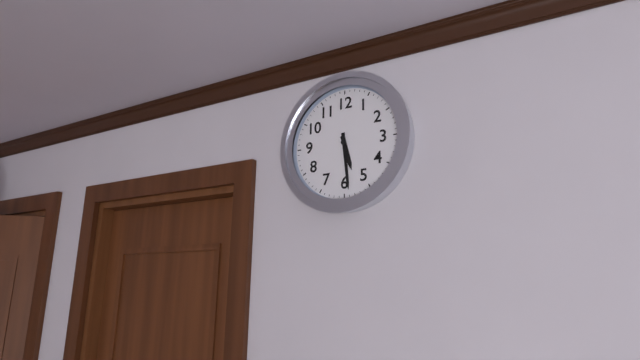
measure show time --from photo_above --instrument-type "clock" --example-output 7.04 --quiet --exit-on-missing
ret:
5.29
